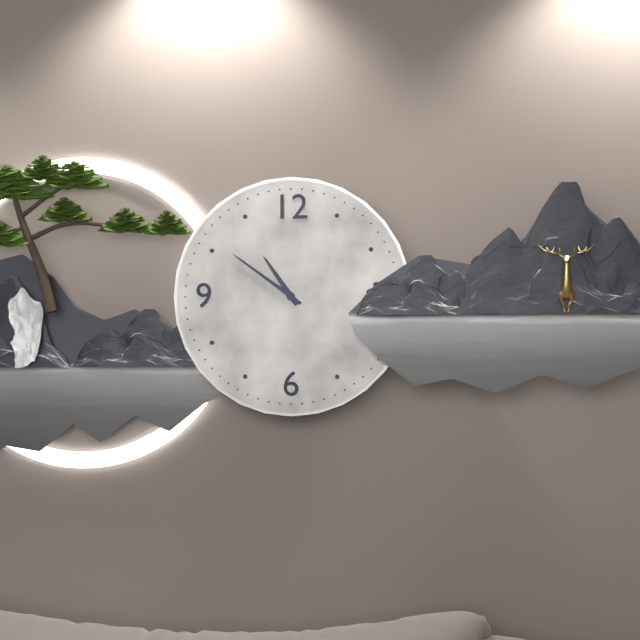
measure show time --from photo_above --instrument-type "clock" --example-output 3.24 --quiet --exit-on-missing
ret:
10.51
